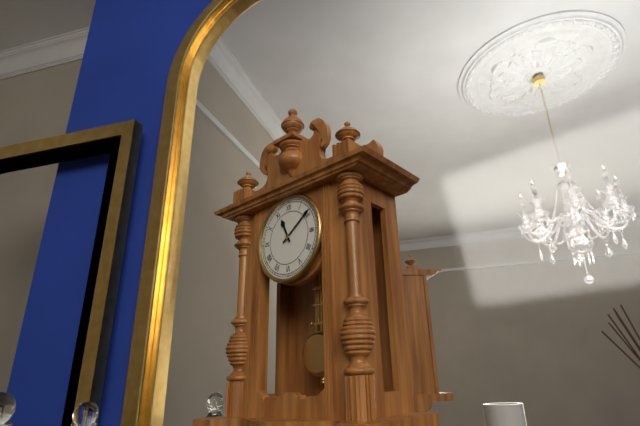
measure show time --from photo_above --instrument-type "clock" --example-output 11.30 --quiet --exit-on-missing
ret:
11.09
